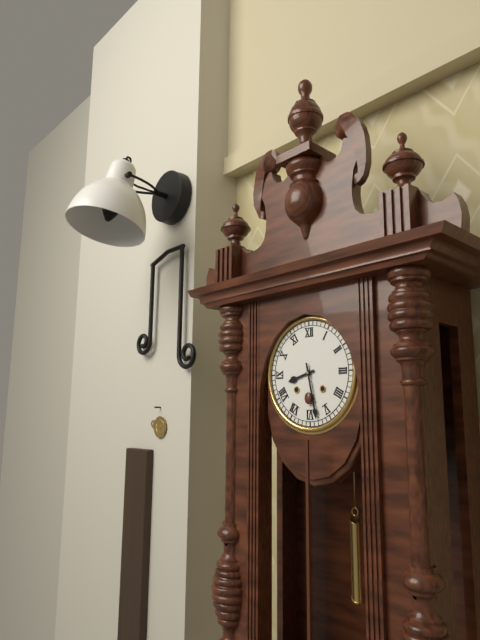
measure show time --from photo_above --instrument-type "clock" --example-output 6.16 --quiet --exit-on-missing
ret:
8.28
